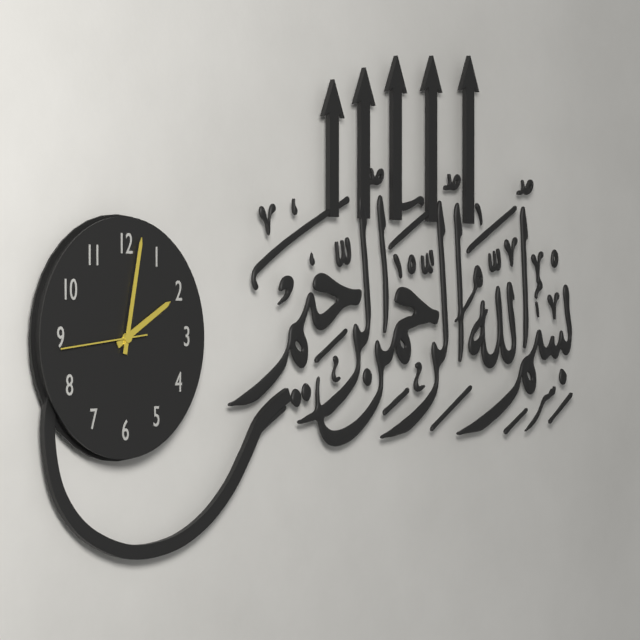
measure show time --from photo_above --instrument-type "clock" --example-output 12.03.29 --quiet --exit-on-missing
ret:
2.02.44
